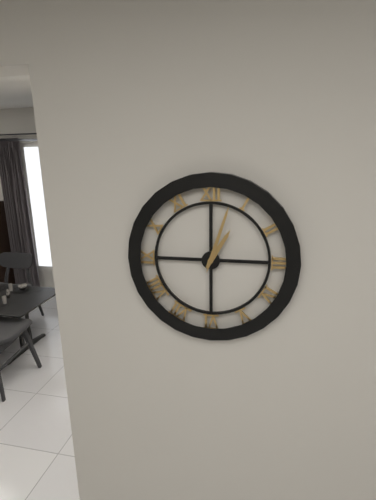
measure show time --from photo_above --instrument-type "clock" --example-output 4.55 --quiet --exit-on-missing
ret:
1.03
